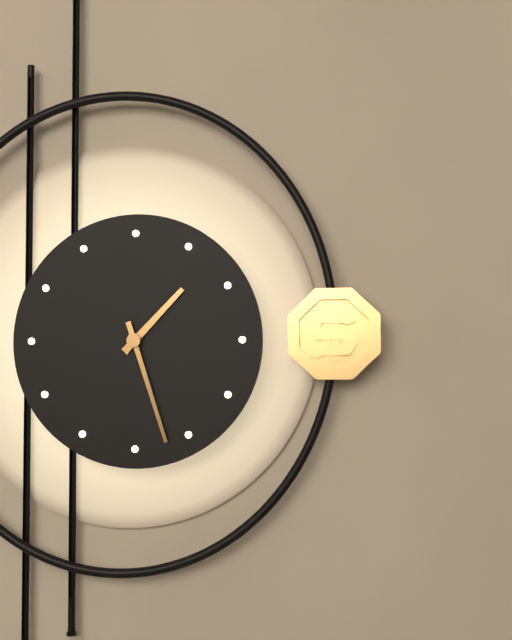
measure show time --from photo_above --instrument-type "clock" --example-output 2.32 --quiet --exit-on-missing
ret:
1.27
